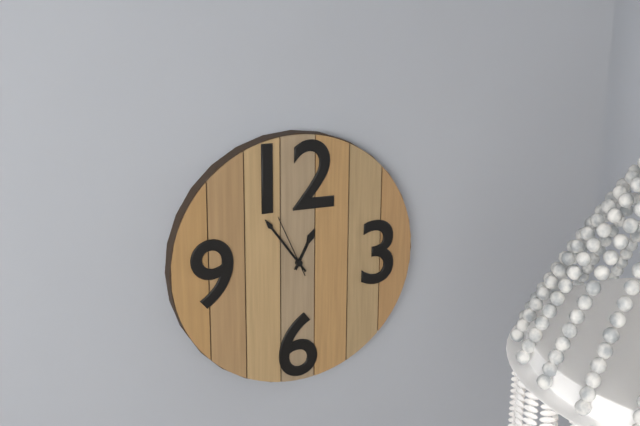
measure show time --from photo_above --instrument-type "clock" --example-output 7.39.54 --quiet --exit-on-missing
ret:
12.54.56
